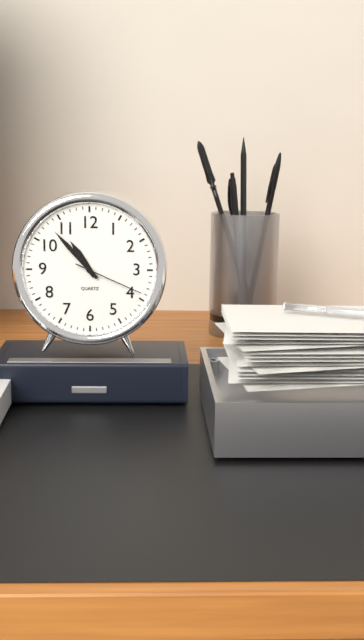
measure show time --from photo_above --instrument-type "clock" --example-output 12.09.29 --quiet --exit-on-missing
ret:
10.53.19
